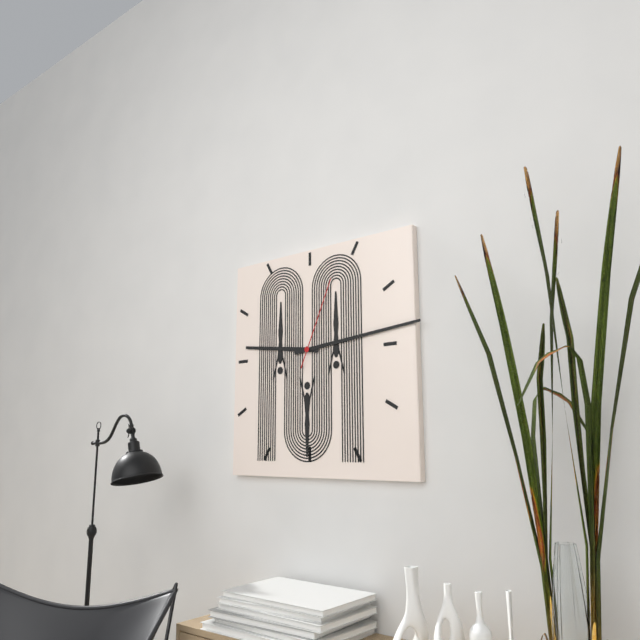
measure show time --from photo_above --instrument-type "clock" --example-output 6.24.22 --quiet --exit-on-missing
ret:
9.14.04
